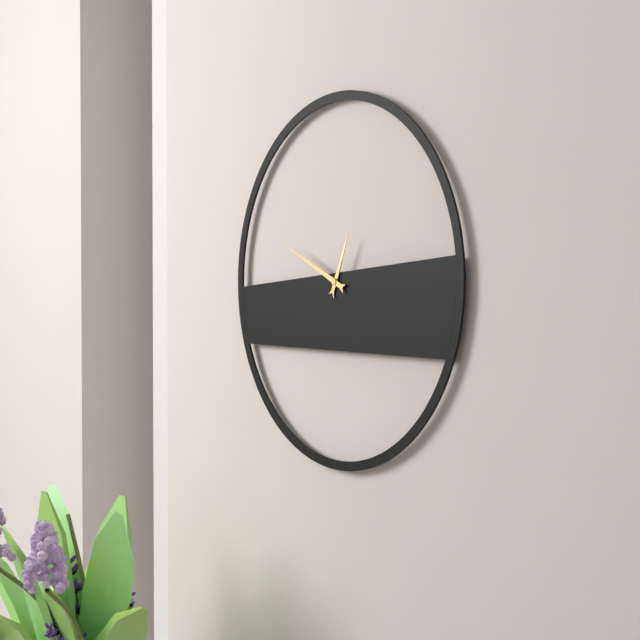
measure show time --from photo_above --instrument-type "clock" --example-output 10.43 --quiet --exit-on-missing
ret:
12.49
